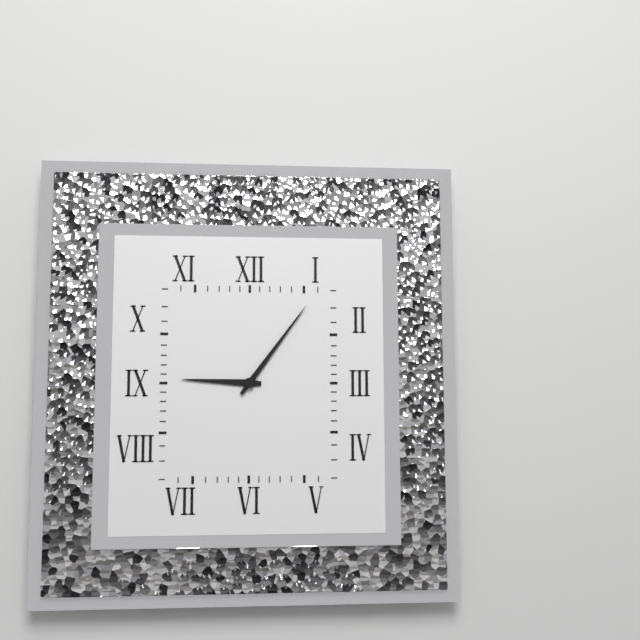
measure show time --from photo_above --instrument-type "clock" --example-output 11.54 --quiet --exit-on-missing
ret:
9.06
